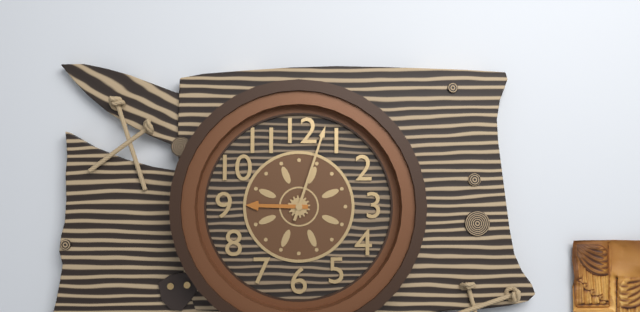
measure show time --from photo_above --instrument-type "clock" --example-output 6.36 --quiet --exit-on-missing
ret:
9.03
